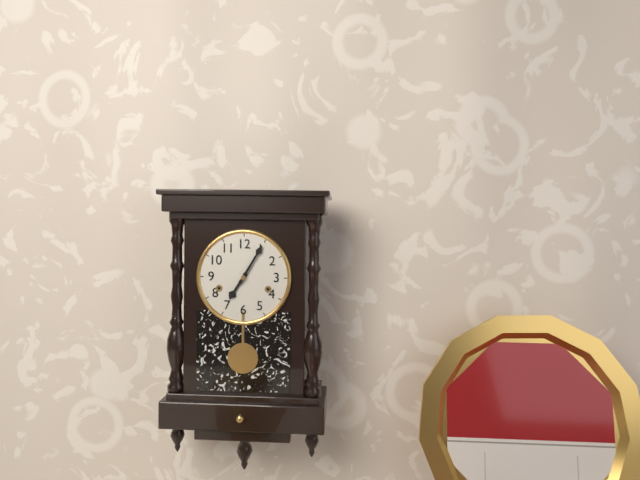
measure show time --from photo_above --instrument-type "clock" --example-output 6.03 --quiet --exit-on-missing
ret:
7.05
